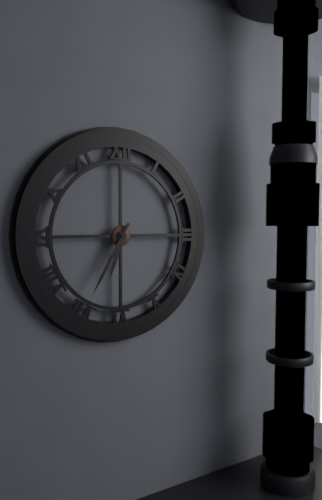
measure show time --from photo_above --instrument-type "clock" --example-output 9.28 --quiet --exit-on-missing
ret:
6.35
